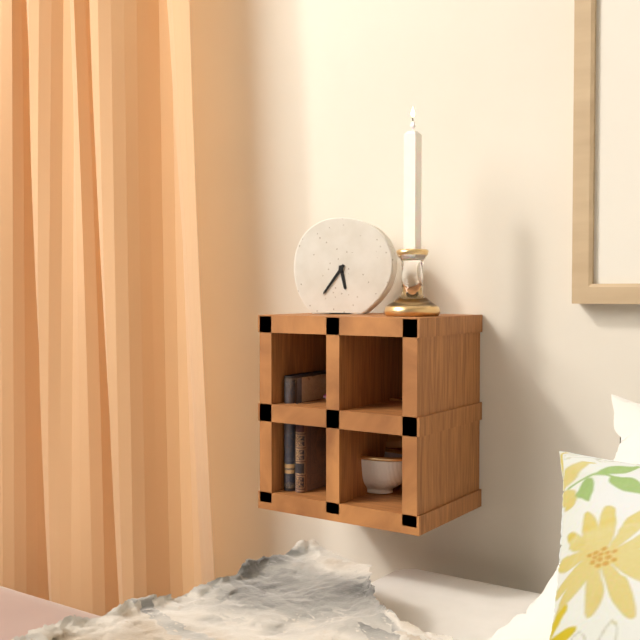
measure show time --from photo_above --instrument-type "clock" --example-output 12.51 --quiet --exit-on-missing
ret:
5.36
